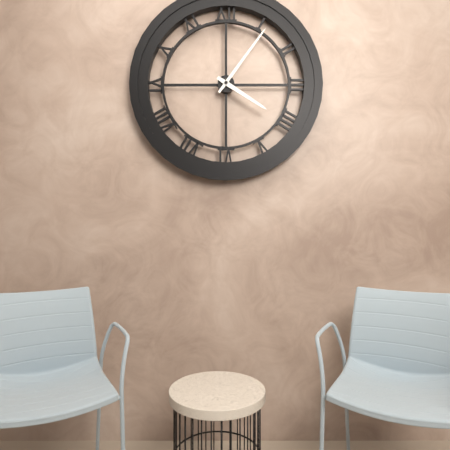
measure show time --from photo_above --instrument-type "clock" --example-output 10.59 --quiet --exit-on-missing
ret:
4.06
